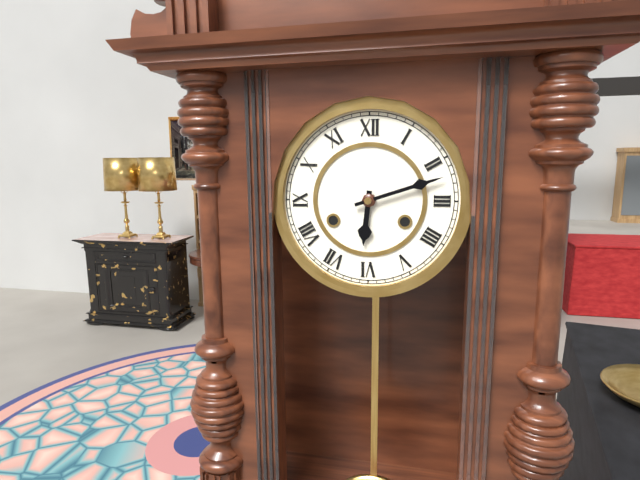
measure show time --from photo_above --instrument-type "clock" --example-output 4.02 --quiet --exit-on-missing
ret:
6.12
